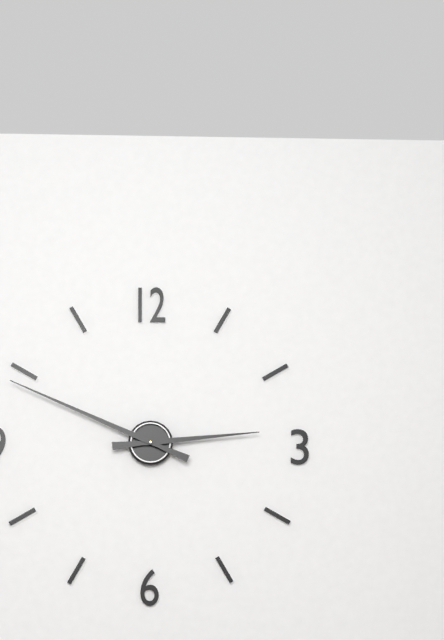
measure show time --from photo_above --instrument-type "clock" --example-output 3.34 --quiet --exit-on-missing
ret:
2.49
